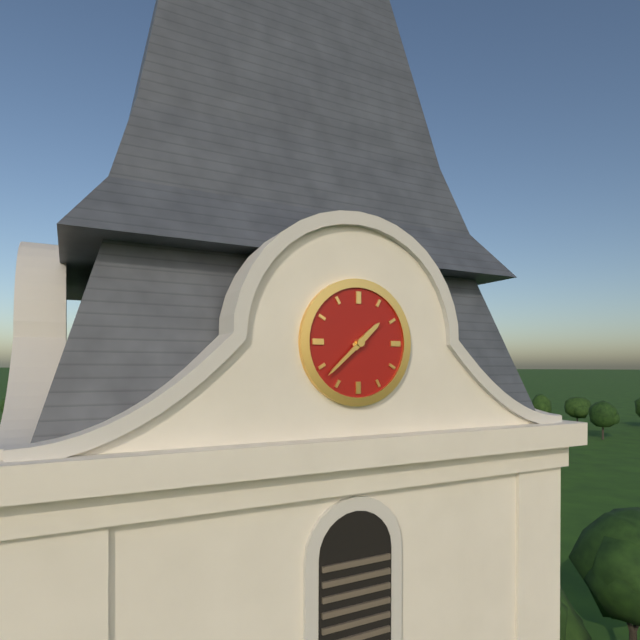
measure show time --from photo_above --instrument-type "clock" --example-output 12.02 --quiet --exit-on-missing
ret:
1.38
